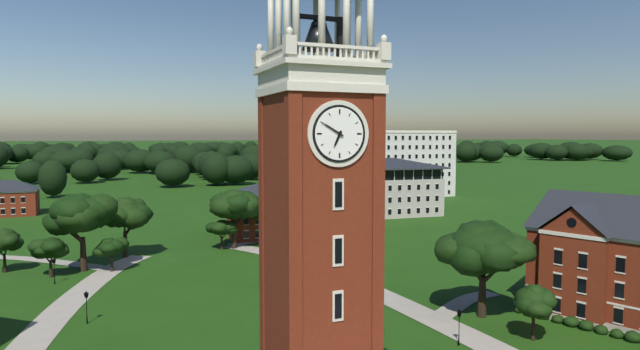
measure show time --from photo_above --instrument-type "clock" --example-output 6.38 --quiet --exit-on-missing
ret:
6.50
